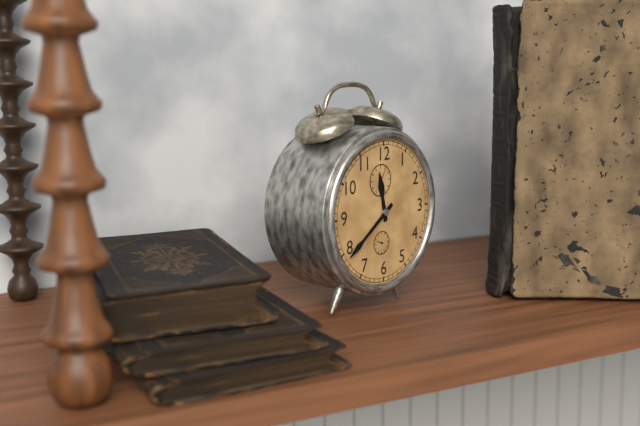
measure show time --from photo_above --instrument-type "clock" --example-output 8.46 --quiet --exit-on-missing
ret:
11.39
